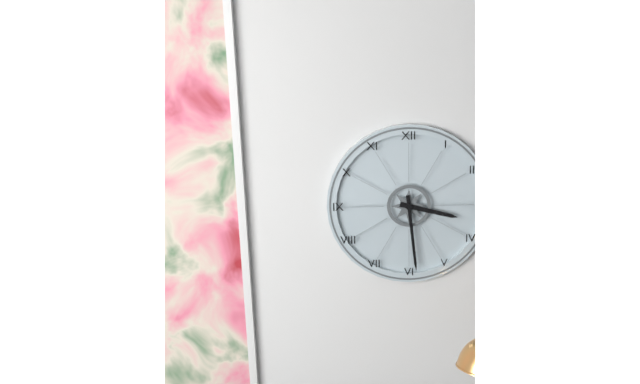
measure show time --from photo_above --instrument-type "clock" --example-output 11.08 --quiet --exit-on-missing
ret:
3.29
